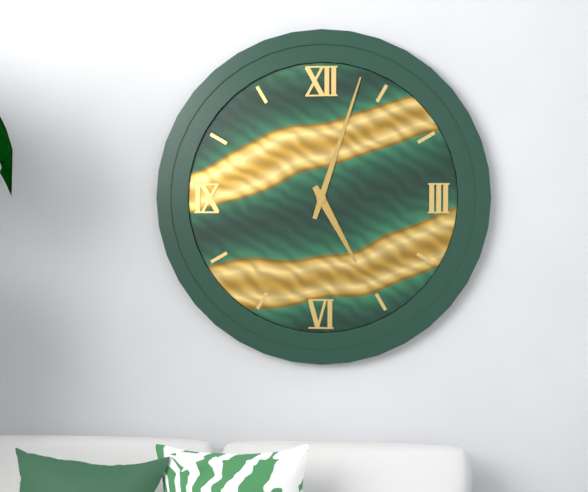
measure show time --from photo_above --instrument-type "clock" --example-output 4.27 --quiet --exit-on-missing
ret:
5.03
